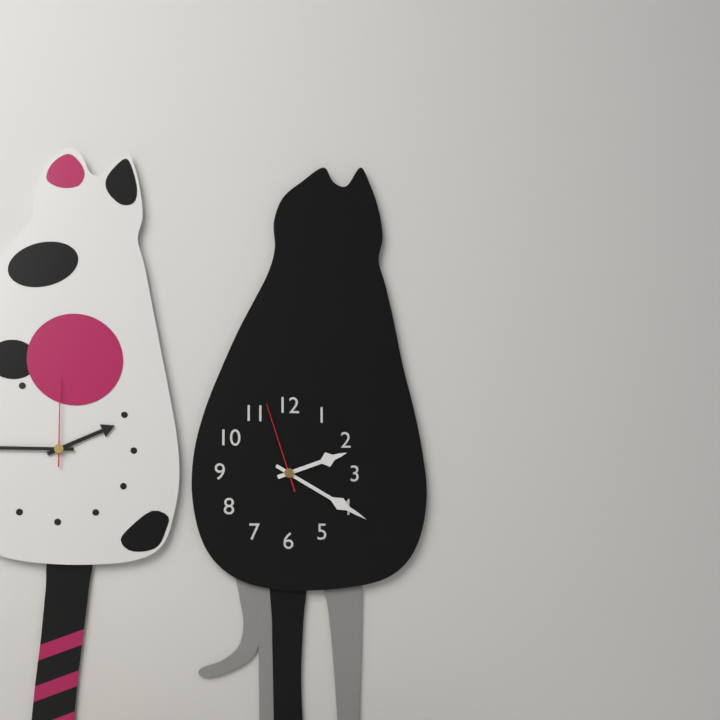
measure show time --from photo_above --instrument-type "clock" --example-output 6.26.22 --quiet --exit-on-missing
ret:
2.20.57
